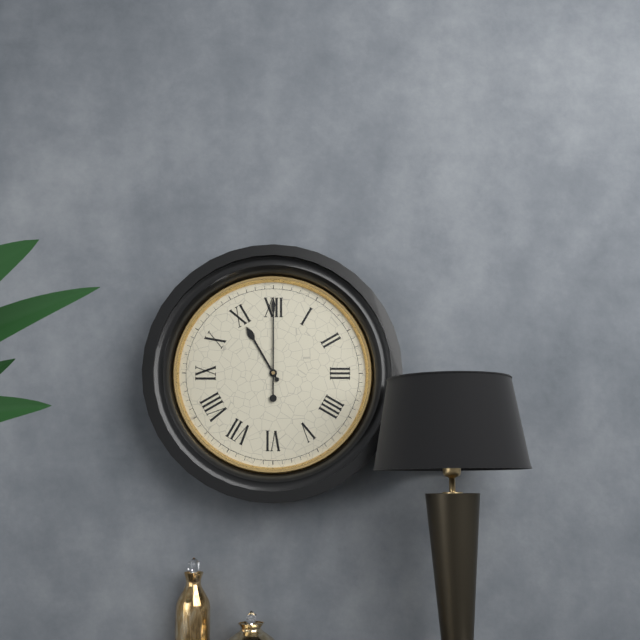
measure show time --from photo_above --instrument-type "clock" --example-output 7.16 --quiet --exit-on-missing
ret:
11.00
